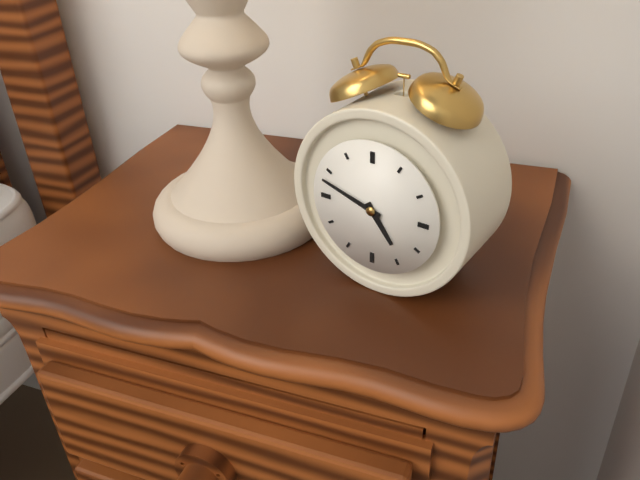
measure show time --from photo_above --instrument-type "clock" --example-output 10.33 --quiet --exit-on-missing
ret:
4.48
